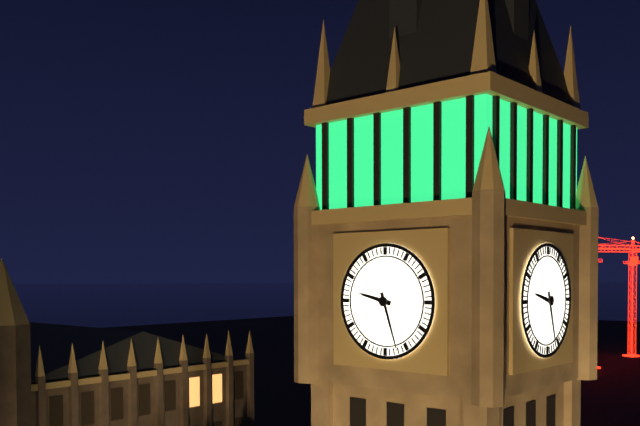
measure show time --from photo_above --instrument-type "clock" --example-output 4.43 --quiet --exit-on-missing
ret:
9.27
